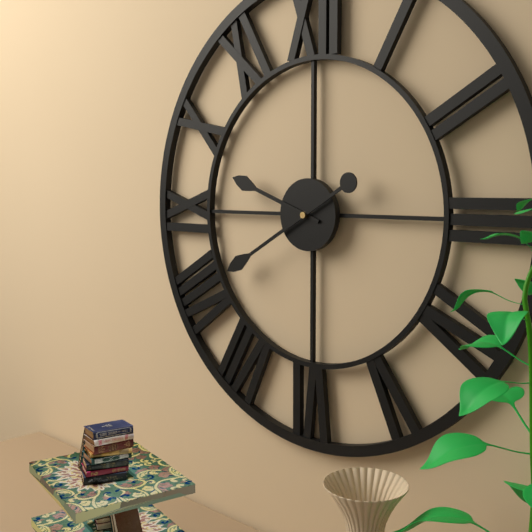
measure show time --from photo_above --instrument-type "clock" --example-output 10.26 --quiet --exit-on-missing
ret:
9.40
